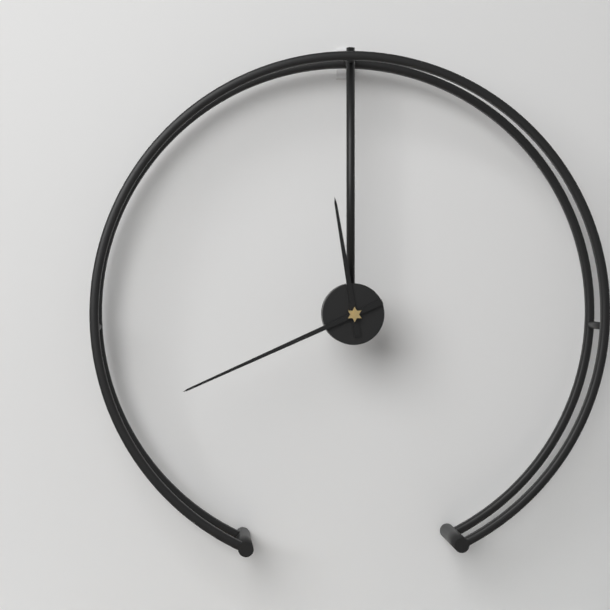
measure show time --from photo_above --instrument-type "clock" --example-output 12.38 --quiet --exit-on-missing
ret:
11.41
